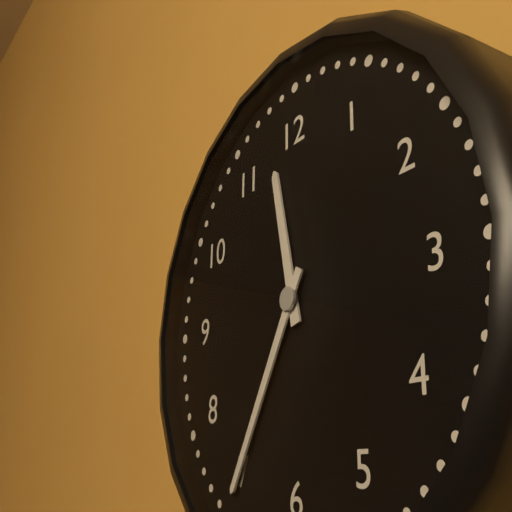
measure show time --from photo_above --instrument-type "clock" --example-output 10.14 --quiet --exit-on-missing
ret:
11.35
